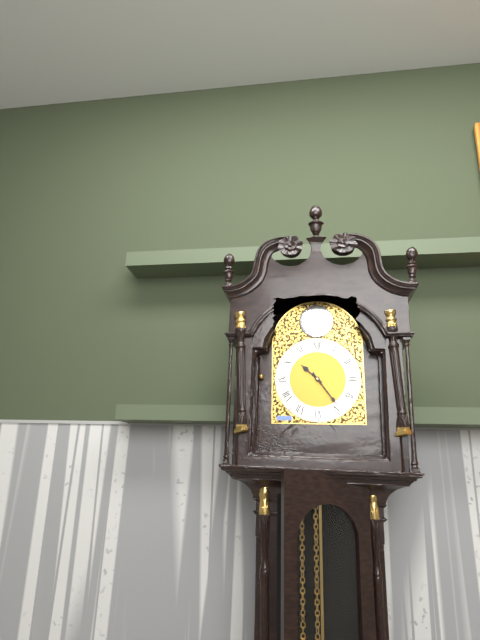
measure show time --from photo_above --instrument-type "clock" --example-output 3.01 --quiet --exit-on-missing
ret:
10.24
